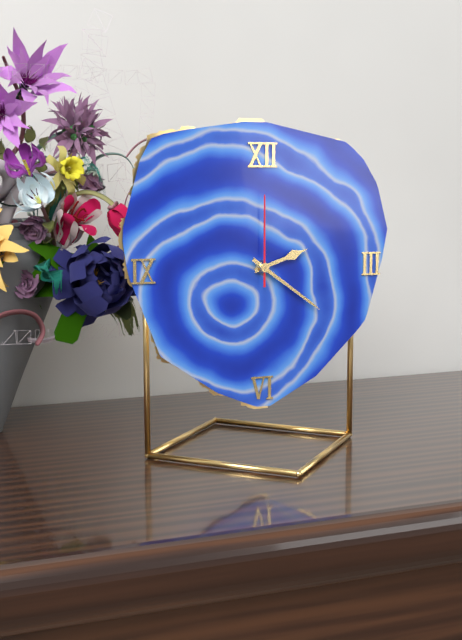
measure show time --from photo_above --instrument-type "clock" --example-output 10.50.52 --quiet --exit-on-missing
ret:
2.21.00
